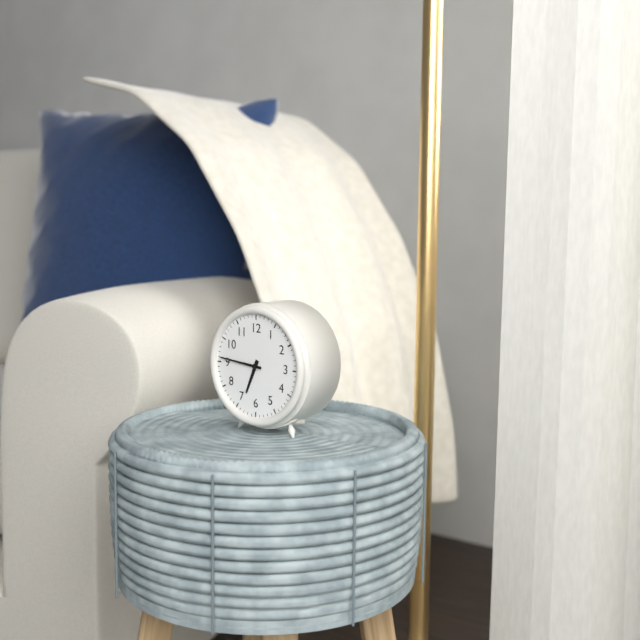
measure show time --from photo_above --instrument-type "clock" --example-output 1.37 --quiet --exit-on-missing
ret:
6.46
